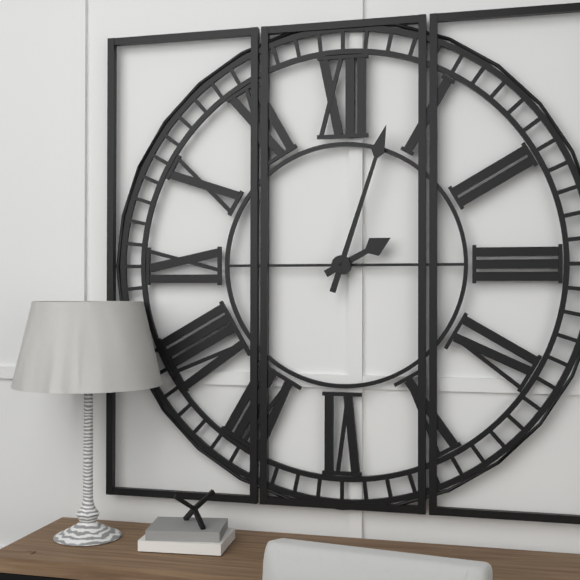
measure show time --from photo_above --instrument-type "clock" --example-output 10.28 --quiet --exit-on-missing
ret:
2.03
